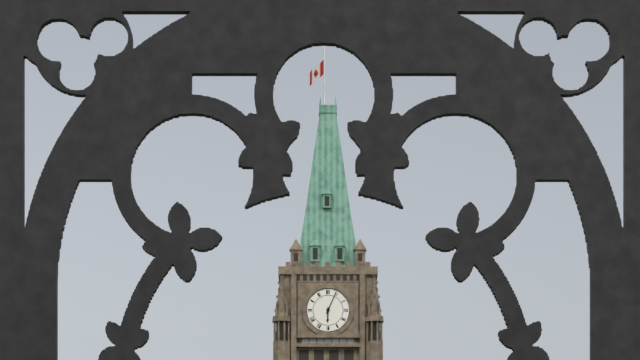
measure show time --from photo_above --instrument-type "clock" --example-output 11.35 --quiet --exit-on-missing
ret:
6.04
